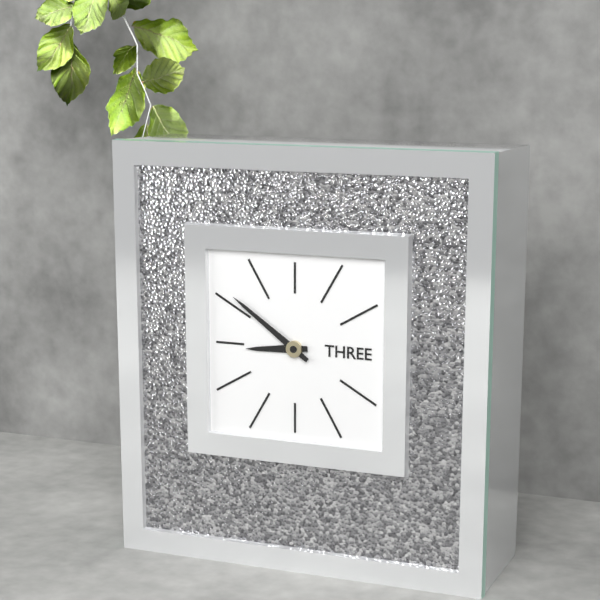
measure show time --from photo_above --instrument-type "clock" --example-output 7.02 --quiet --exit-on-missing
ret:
8.51
